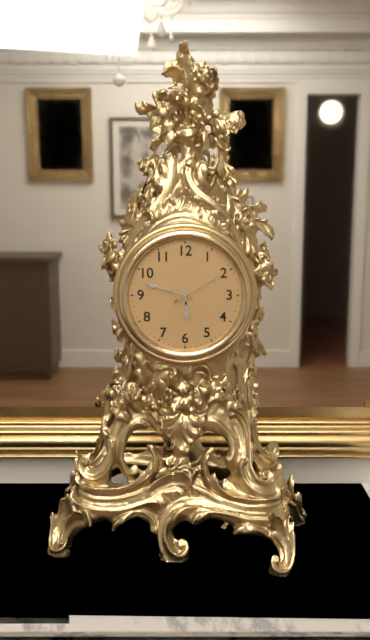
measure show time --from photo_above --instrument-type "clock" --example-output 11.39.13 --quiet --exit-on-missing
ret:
5.48.10
